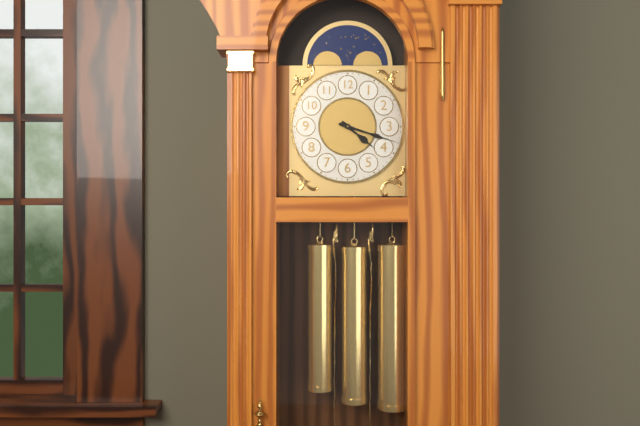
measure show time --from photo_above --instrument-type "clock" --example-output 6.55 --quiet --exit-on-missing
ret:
4.18
